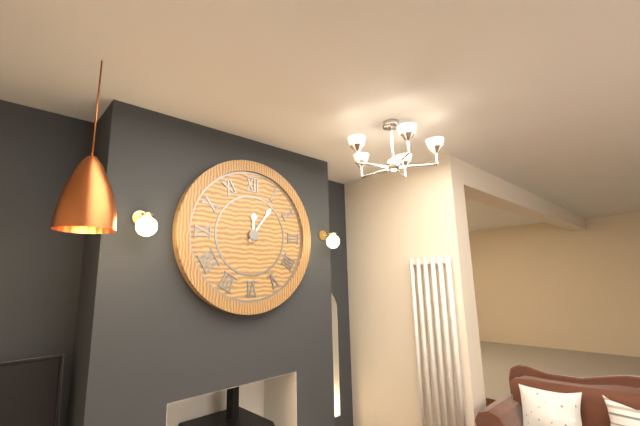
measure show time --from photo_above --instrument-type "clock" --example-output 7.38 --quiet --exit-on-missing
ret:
12.06
